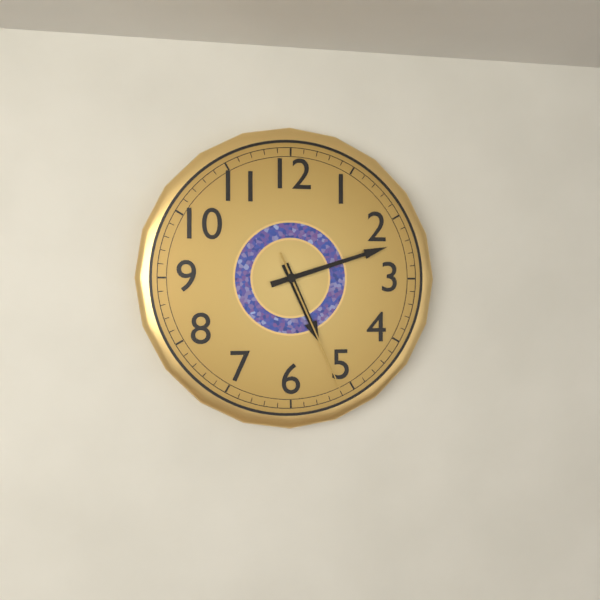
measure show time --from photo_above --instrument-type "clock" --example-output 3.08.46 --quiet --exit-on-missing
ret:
5.12.26
